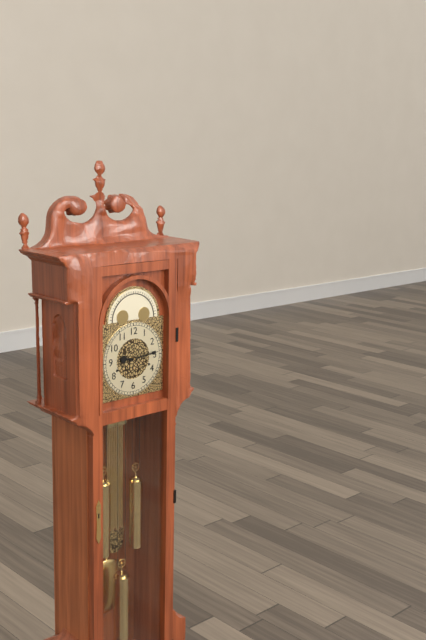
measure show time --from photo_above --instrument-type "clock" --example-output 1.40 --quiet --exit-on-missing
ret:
9.14
